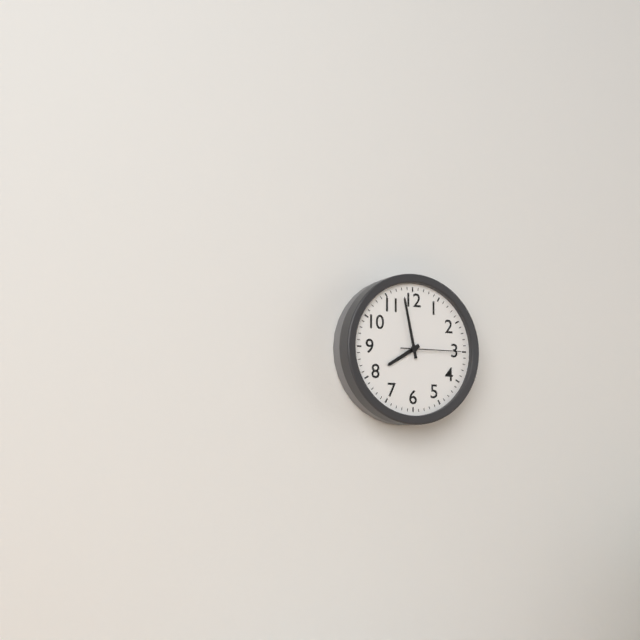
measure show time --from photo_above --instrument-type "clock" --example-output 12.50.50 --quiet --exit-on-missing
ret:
7.58.15
